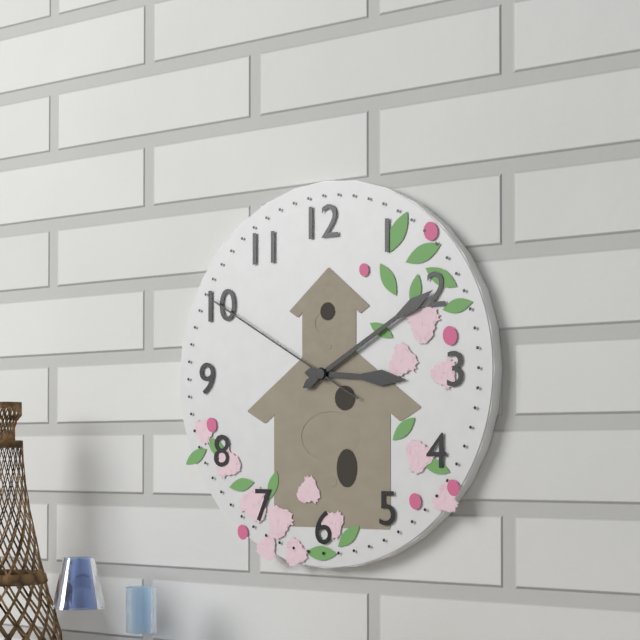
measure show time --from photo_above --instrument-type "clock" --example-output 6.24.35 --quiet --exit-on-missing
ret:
3.10.50
